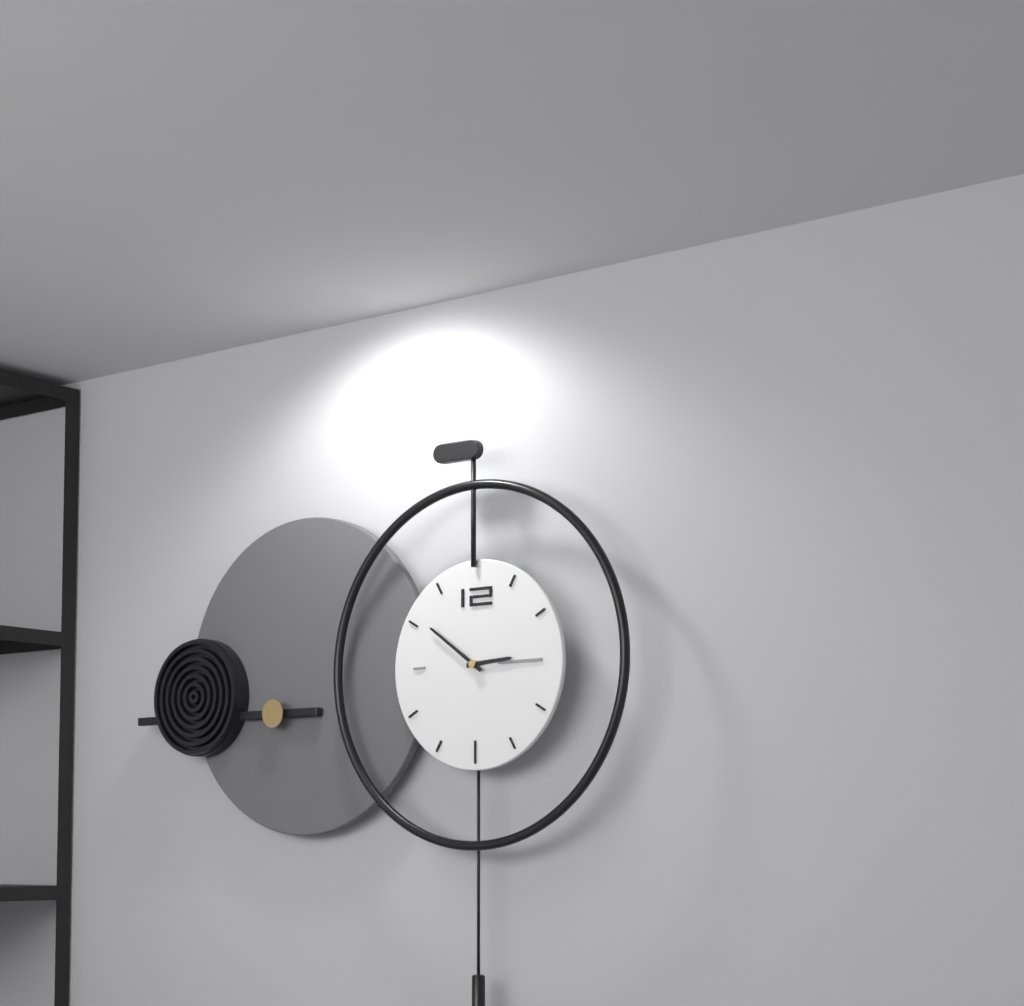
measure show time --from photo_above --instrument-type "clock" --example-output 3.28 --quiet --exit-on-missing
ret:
2.51
